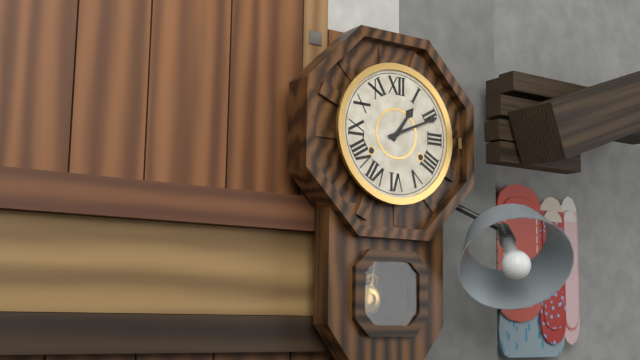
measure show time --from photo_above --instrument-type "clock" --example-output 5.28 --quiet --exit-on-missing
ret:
1.11
